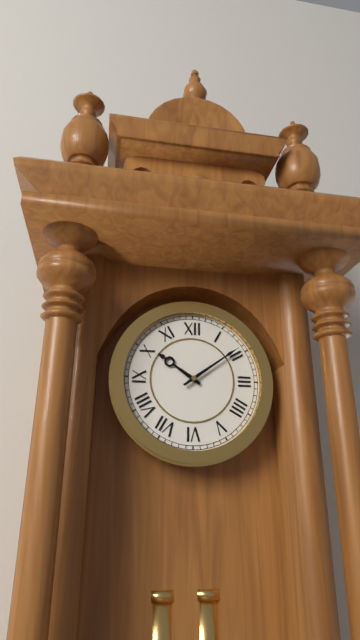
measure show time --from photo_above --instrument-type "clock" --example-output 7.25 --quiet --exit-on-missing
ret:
10.09
